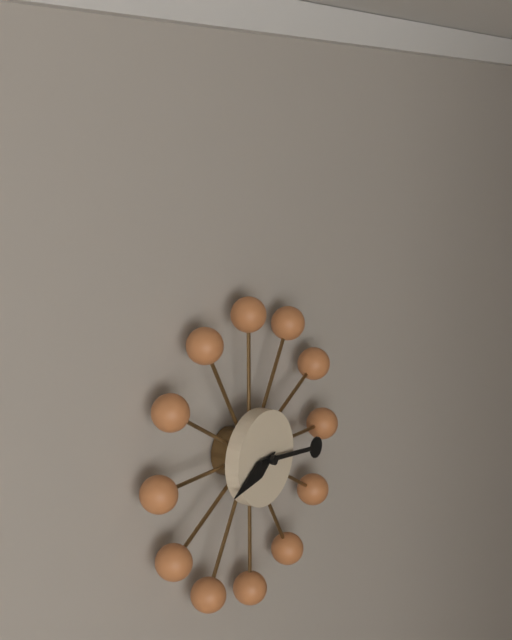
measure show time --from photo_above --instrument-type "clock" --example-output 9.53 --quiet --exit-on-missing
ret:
8.16
